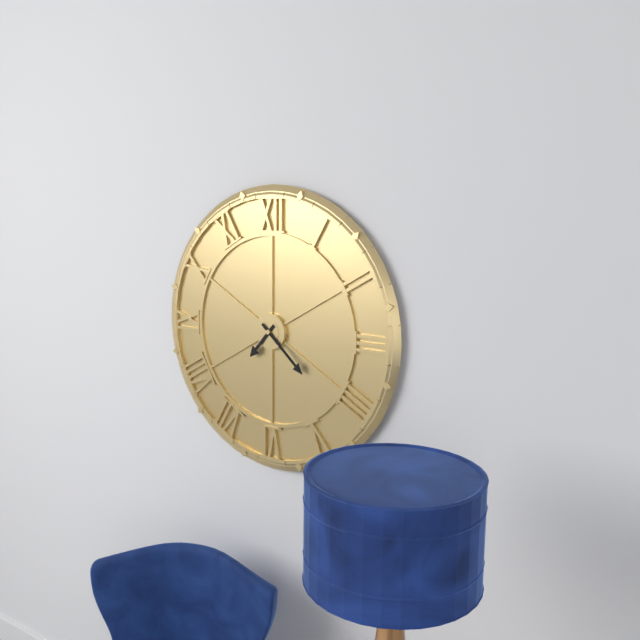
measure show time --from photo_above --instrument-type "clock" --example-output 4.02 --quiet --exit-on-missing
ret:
7.22
